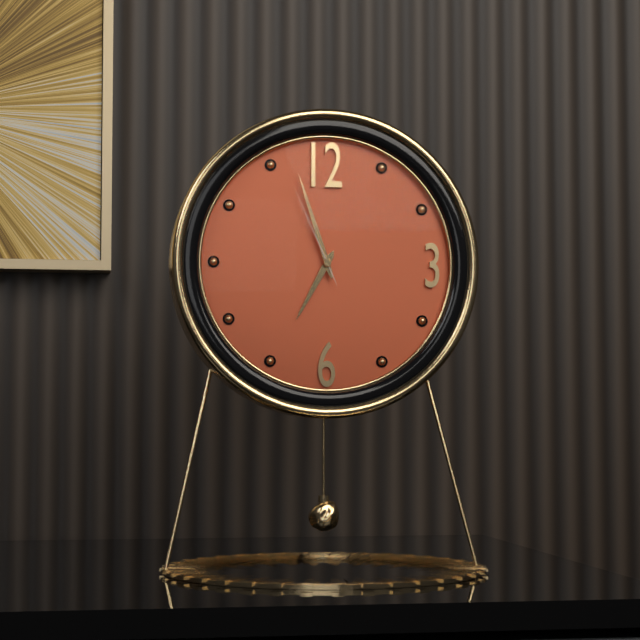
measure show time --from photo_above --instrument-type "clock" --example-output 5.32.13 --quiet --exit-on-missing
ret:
6.57.56
